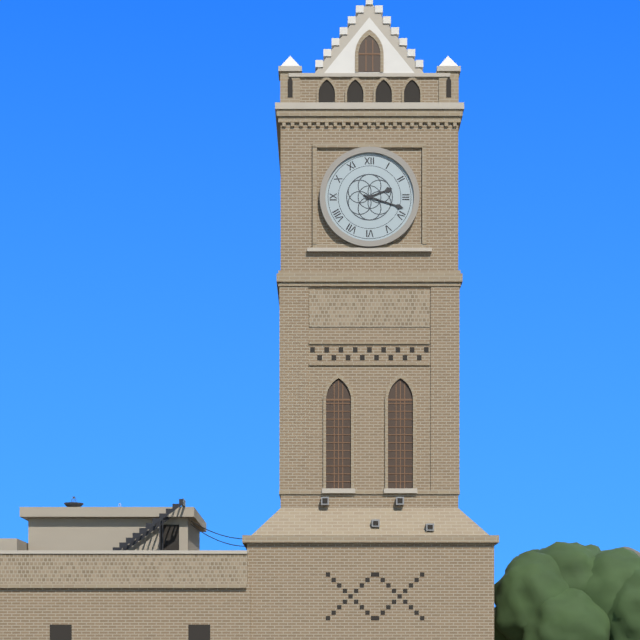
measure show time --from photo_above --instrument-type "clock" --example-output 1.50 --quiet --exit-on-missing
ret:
2.18
